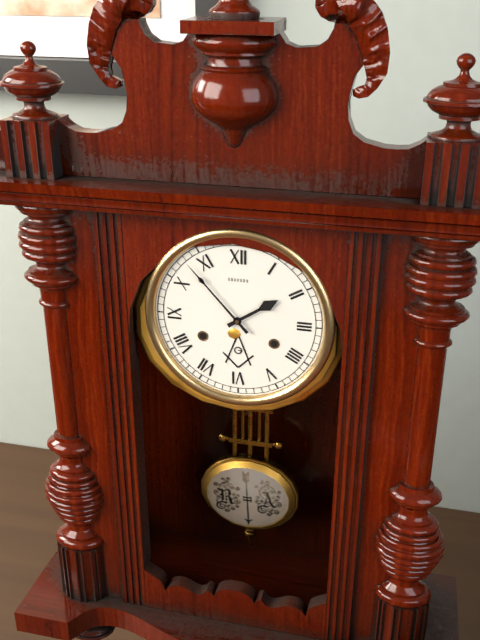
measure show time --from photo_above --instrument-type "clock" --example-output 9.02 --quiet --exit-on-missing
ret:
1.53
